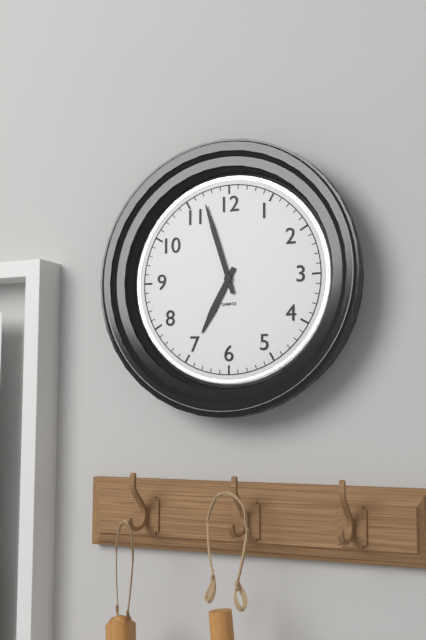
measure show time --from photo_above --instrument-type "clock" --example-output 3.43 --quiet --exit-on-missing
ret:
6.57
